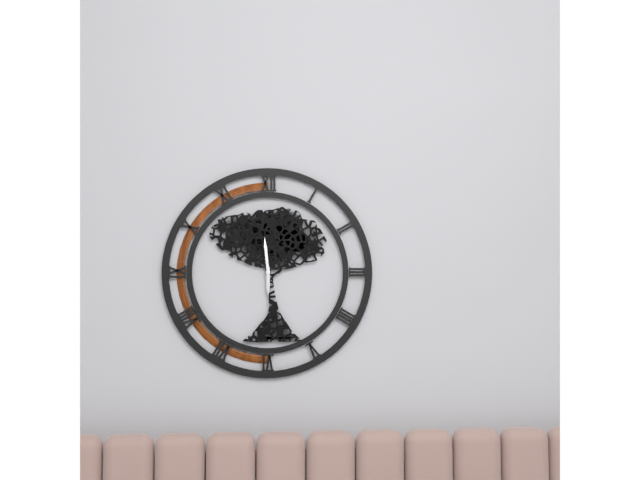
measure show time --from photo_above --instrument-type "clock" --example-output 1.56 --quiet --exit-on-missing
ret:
5.59
